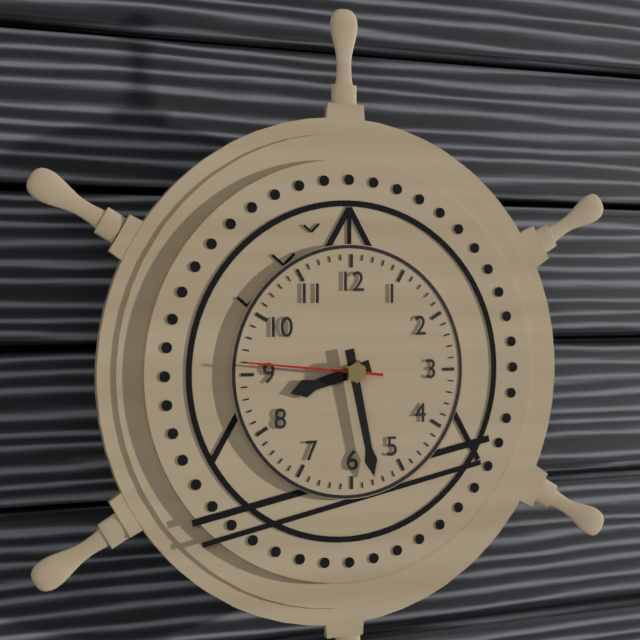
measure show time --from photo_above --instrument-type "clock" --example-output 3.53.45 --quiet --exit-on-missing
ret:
8.28.46
